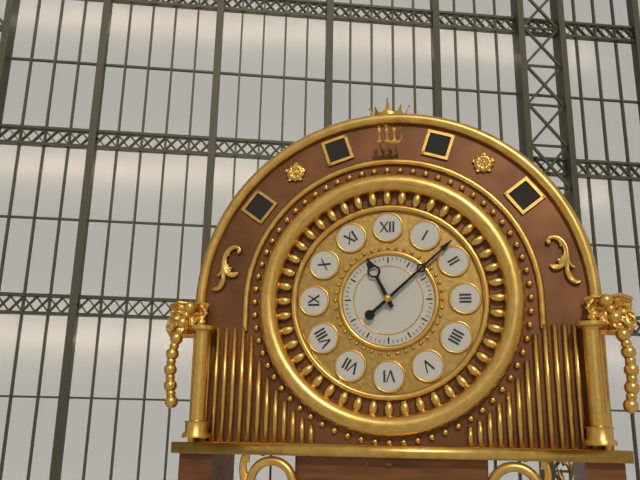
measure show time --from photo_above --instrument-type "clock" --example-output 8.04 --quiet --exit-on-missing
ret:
11.08
